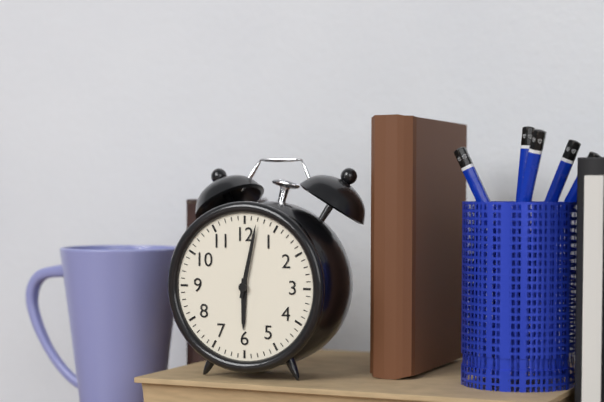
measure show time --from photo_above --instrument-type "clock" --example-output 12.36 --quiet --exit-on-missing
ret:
6.02
